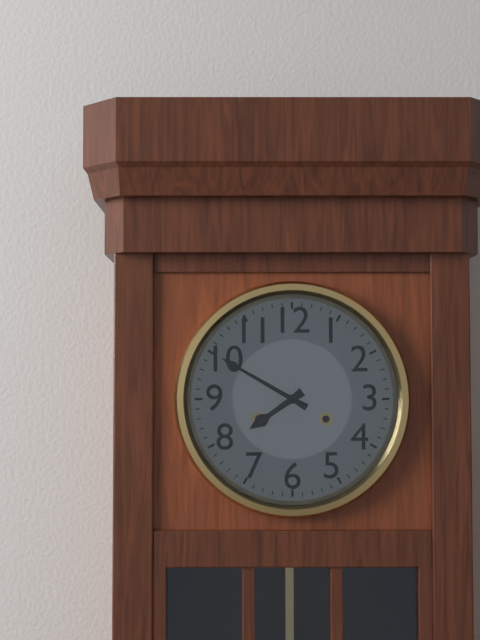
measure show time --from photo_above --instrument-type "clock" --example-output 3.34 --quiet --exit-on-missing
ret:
7.50
